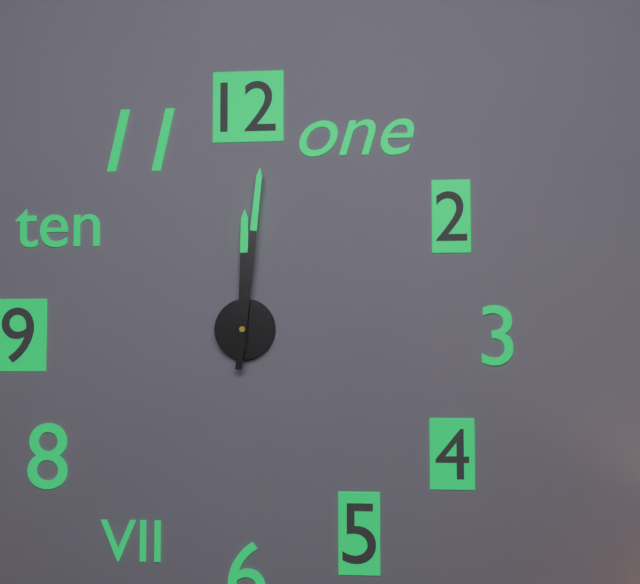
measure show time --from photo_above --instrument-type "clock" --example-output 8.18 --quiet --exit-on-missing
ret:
12.01
